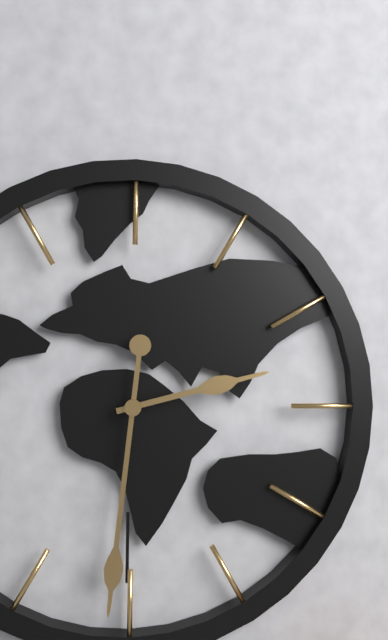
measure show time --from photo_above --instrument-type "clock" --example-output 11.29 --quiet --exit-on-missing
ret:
2.31
